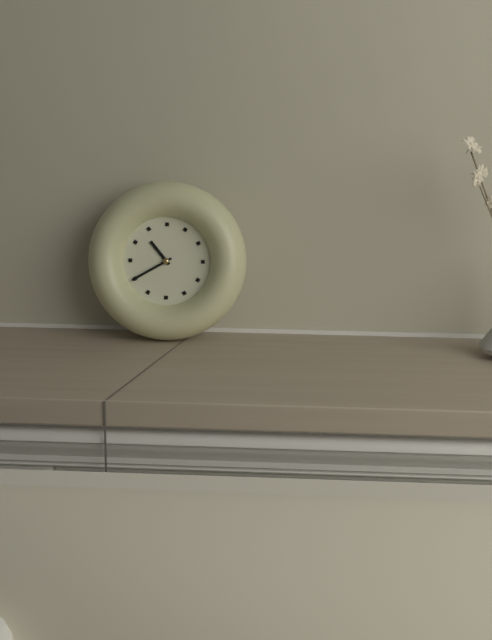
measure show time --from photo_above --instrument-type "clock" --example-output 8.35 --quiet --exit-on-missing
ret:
10.40
